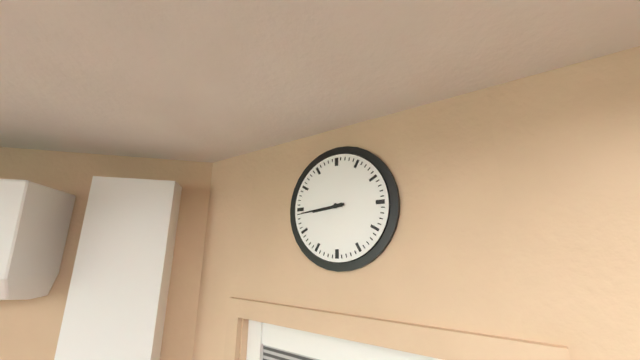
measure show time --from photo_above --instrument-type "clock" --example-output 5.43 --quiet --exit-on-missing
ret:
8.44
